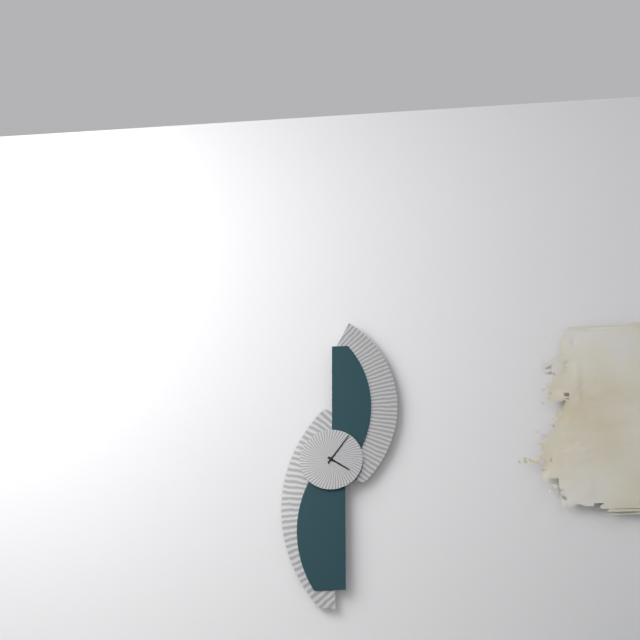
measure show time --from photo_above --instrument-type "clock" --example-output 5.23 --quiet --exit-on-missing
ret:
4.06
